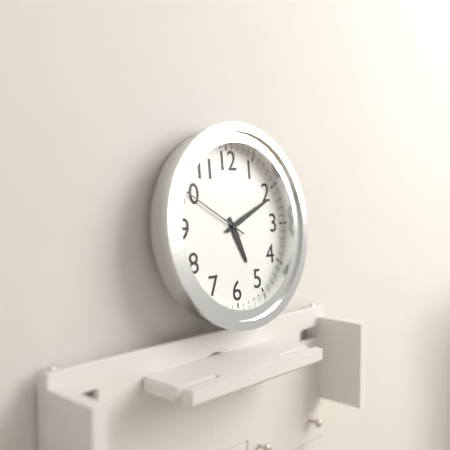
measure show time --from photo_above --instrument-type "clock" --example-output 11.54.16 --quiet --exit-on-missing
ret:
5.11.50
